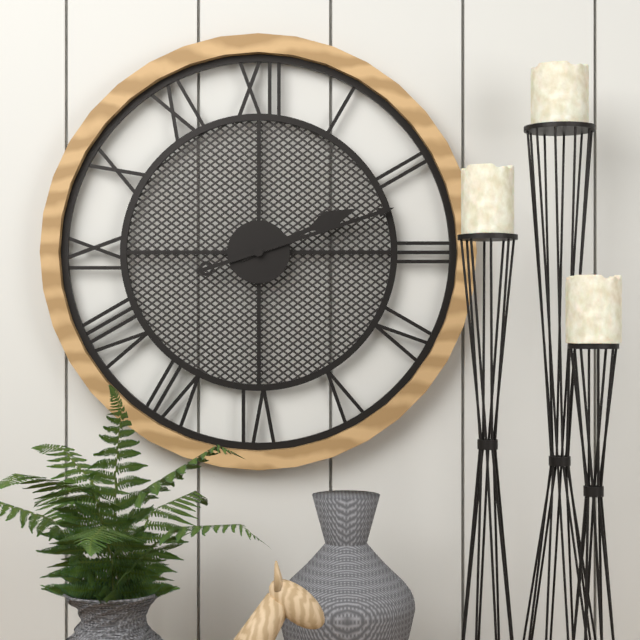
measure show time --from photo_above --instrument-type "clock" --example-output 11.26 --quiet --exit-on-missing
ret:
2.12
